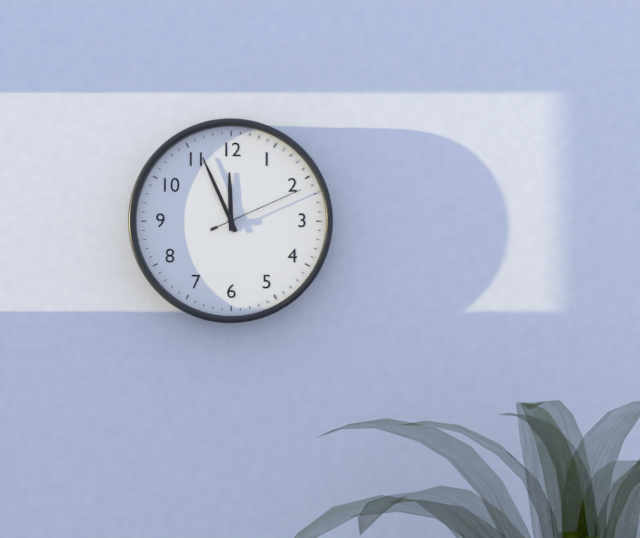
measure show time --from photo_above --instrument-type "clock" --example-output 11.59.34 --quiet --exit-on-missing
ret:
11.56.11
